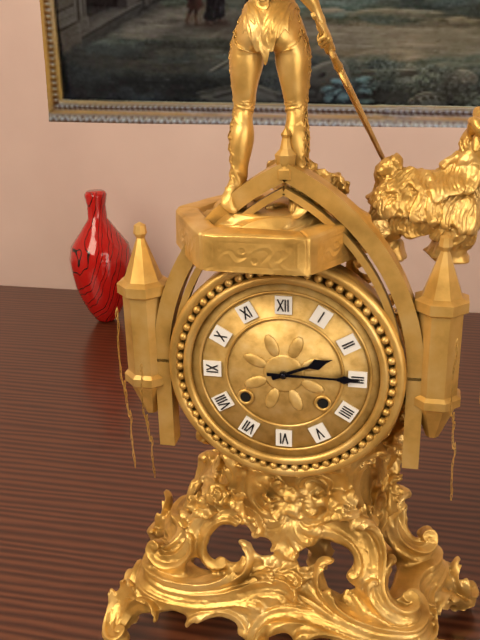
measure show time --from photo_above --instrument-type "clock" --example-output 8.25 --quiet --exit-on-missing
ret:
2.15
